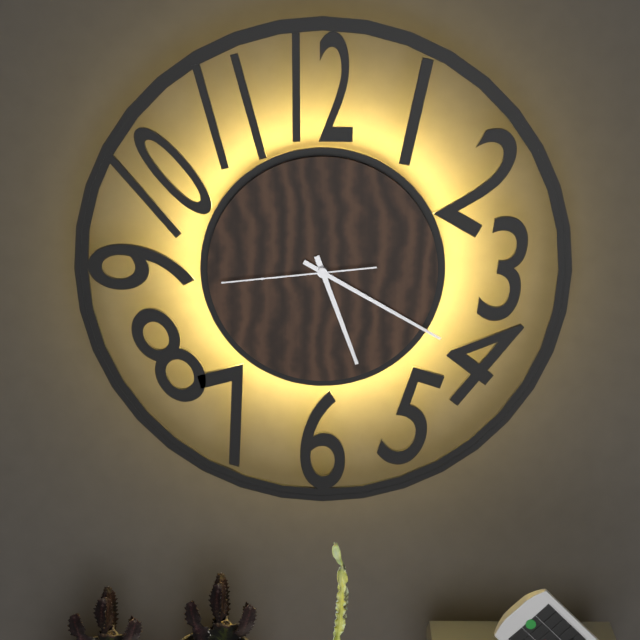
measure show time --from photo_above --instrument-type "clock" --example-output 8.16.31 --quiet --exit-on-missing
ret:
5.20.44
